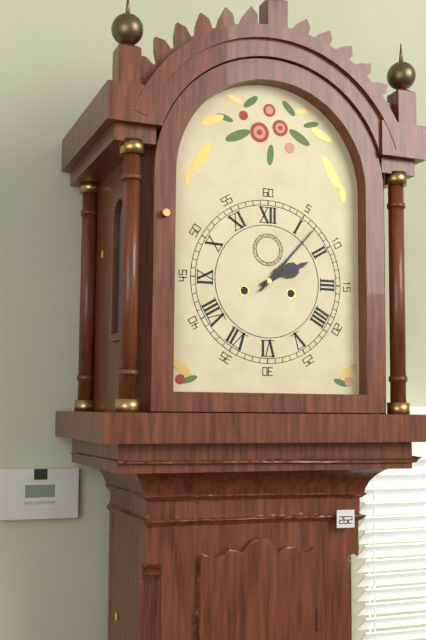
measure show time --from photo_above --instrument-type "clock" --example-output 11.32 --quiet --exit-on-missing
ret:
2.07
